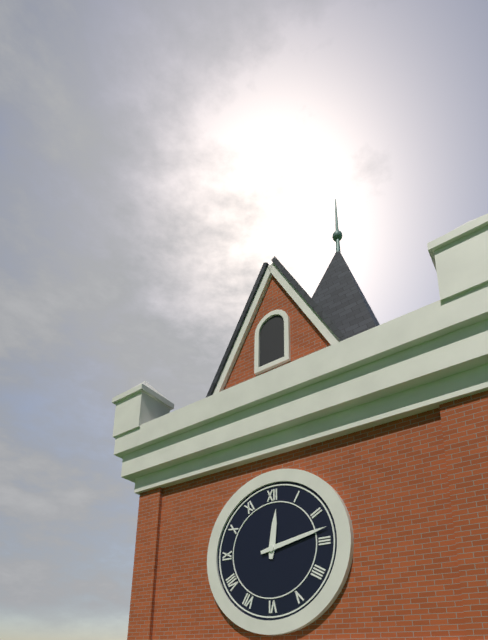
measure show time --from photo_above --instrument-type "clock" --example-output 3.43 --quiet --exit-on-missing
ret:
12.13
